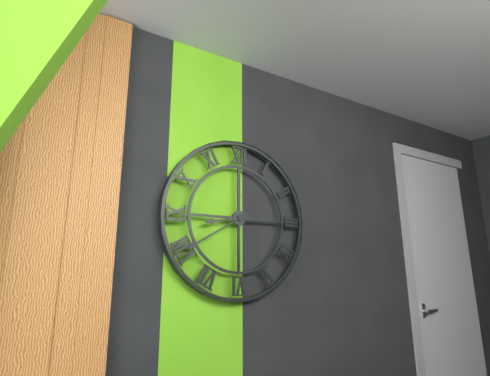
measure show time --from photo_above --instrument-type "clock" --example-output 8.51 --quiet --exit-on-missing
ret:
8.40
